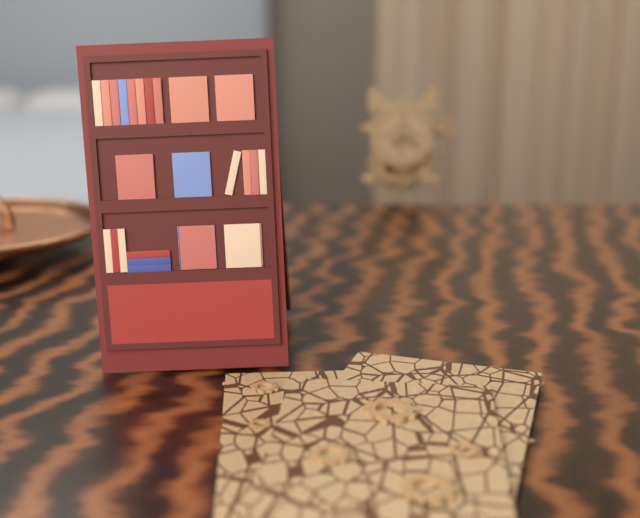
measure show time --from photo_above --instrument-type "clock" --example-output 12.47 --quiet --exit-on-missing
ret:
7.21
